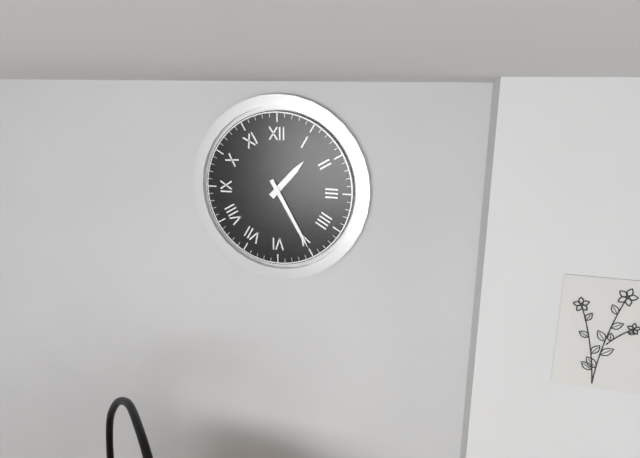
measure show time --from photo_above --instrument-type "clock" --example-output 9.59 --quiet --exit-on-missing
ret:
1.25
